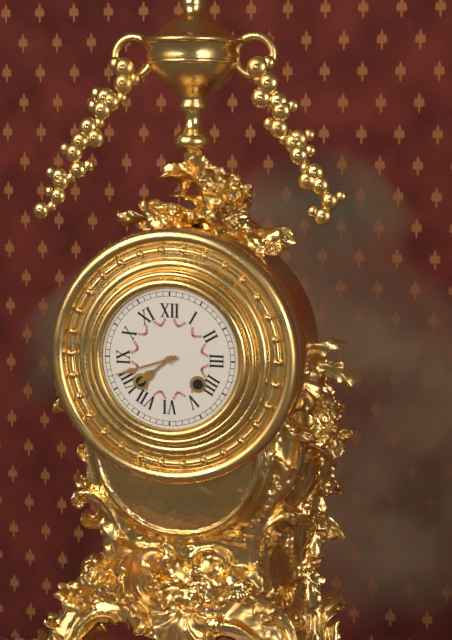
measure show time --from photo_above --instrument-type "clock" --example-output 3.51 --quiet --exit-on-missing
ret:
7.42
